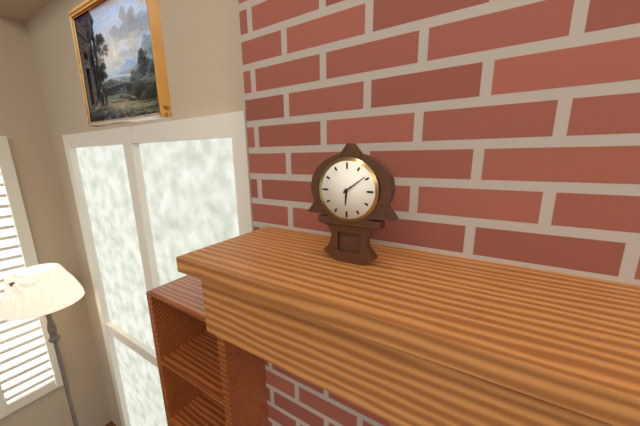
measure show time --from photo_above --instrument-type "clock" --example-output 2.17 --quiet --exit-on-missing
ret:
6.09
